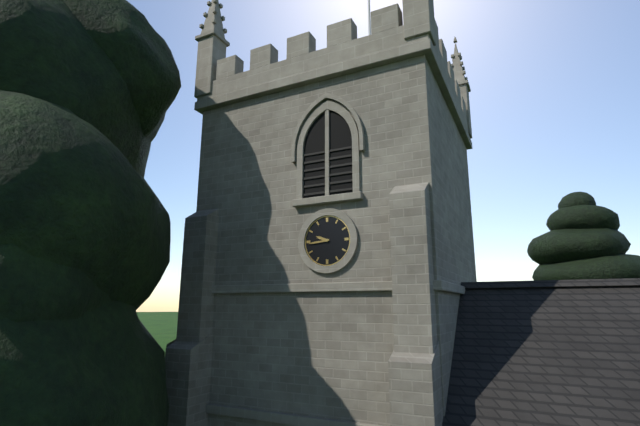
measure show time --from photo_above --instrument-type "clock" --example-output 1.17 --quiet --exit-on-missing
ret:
9.44
